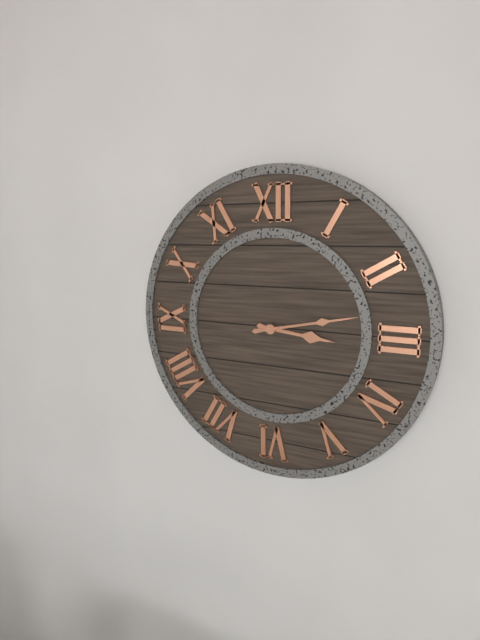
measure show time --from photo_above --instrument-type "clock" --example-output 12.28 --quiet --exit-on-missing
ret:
3.13
